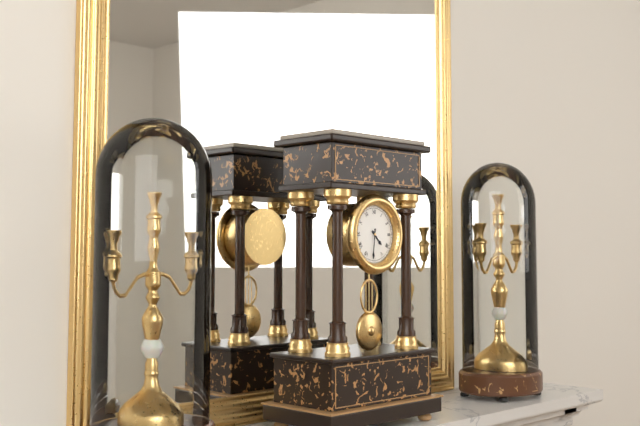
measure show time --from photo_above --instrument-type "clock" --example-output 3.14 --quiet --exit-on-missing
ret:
4.31
